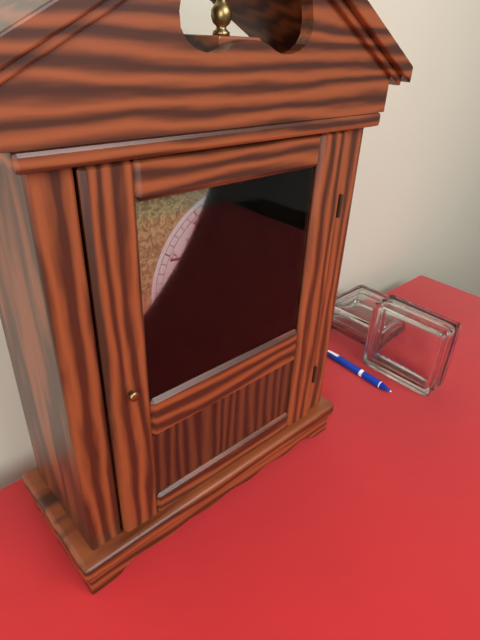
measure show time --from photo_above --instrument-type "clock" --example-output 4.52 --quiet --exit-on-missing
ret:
11.12
